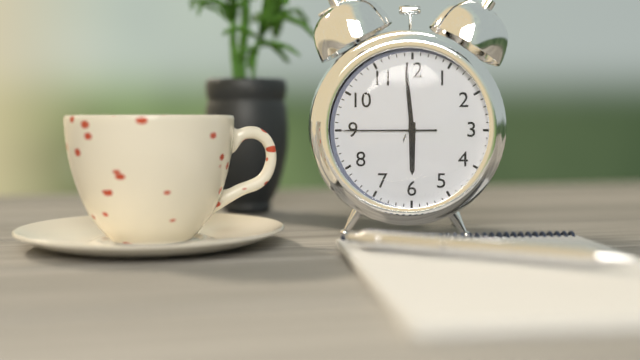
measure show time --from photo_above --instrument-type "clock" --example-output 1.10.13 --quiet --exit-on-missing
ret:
5.59.45
